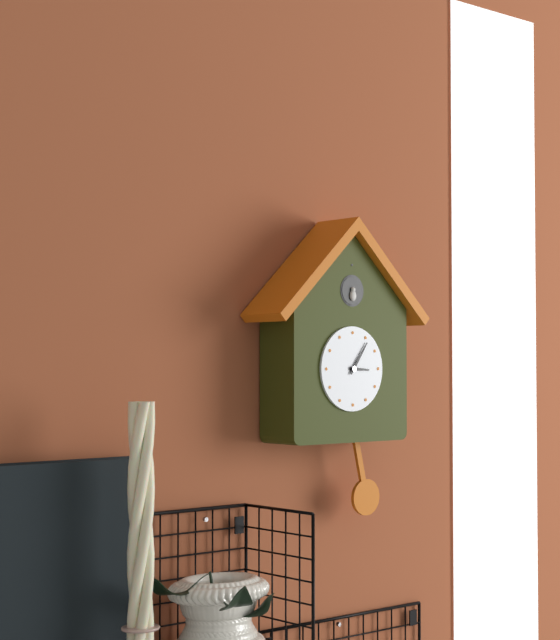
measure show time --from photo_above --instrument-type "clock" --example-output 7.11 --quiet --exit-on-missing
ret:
3.06
